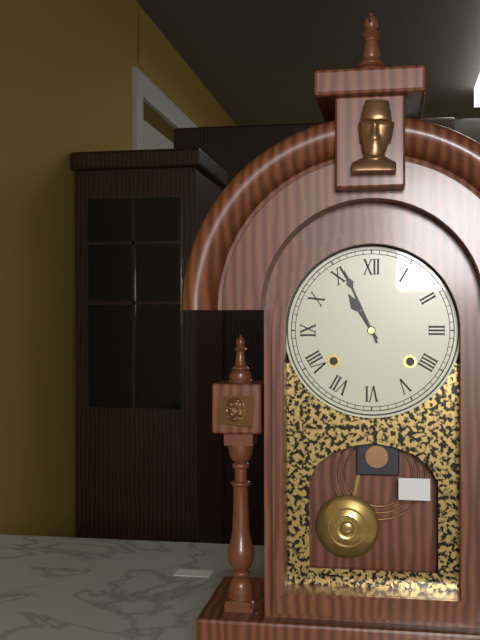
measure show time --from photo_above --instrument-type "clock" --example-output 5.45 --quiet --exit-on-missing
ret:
10.56
